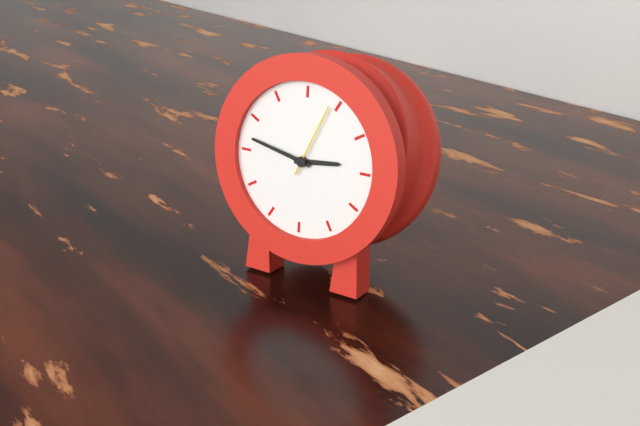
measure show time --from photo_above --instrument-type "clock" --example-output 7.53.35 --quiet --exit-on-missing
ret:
2.47.04
